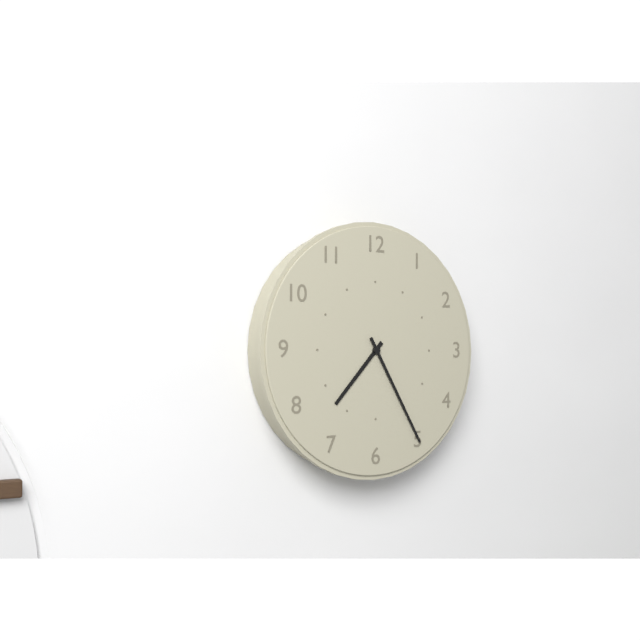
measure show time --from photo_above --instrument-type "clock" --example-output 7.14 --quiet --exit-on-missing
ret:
7.25
